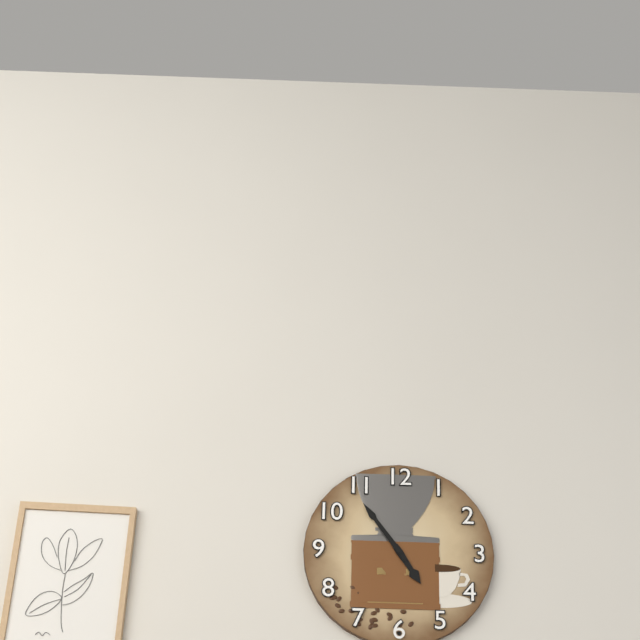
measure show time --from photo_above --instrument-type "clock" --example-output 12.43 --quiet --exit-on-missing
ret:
4.54
